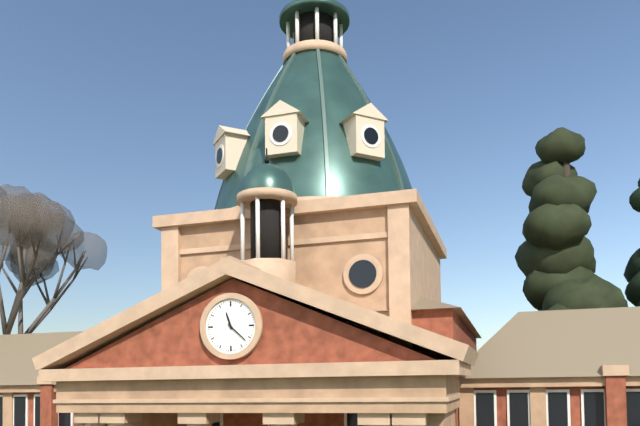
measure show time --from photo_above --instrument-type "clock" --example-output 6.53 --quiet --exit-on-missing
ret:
11.22
